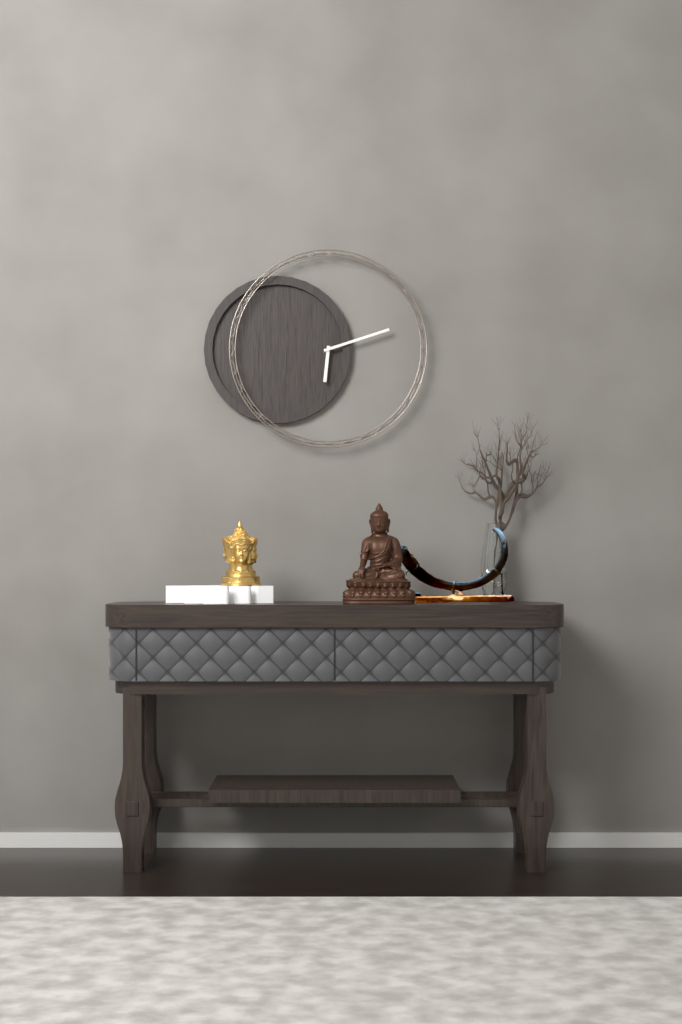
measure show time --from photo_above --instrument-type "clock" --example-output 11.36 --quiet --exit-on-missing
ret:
6.12
